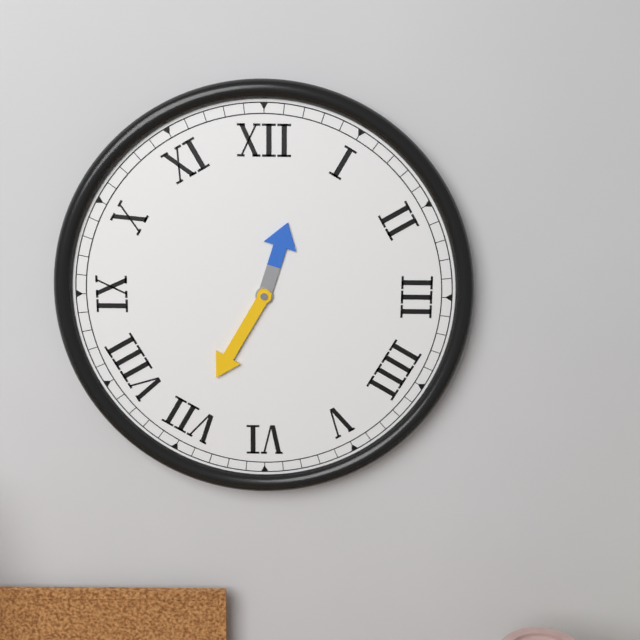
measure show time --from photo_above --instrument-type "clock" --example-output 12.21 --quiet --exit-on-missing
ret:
12.35
